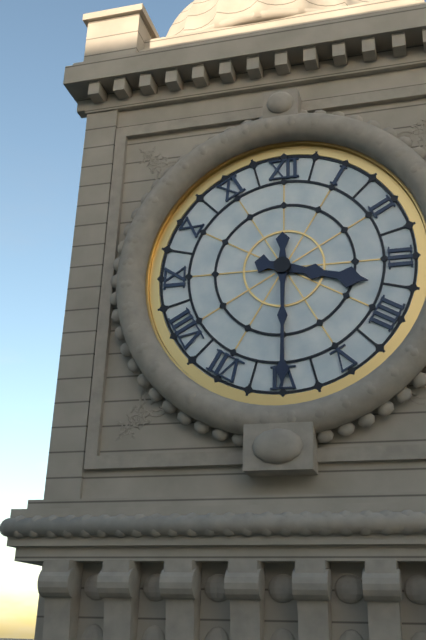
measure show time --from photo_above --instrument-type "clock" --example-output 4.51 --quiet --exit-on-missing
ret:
3.30
